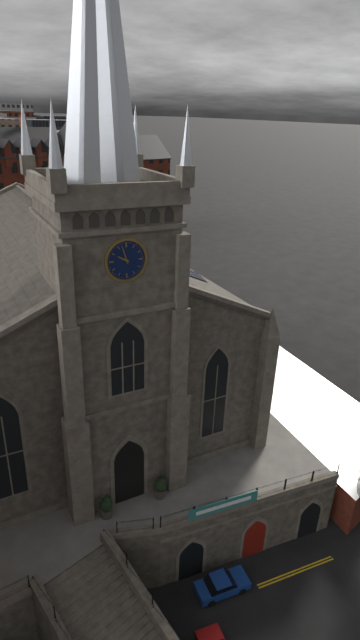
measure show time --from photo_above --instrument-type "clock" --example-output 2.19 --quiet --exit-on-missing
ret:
9.57
